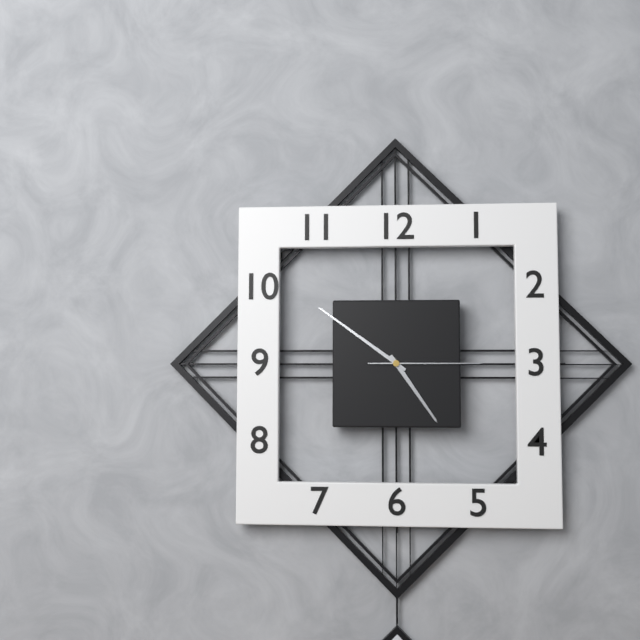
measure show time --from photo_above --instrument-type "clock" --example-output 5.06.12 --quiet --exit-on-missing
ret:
4.51.15
